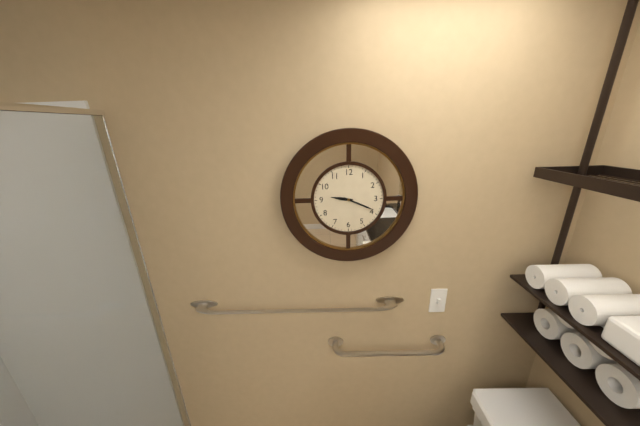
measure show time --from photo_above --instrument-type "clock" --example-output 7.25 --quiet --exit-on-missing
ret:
9.19
